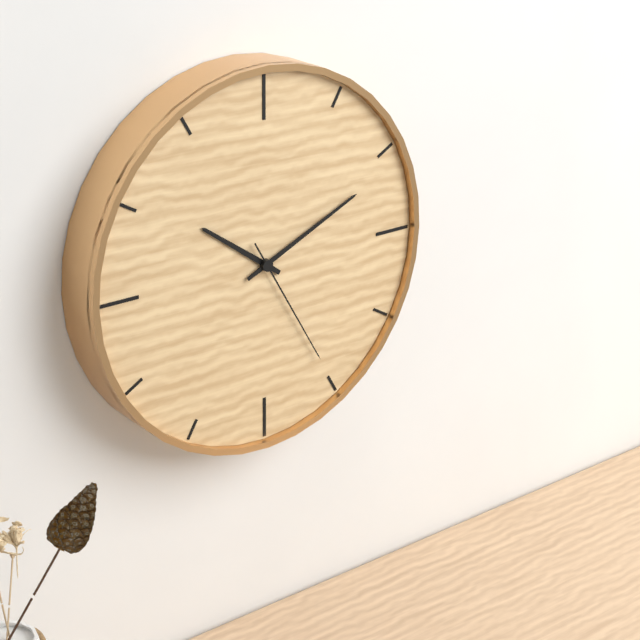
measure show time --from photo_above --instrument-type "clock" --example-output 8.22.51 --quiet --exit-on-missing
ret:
10.11.25
